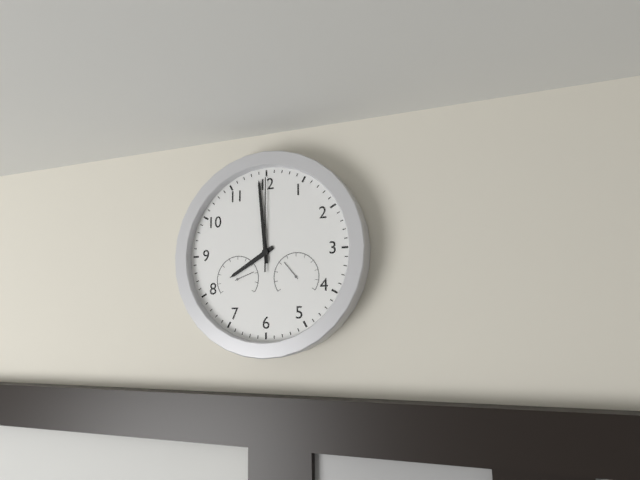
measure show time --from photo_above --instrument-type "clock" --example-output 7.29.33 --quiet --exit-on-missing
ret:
7.59.00
